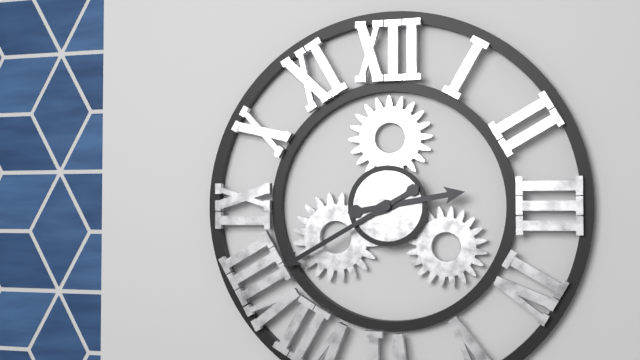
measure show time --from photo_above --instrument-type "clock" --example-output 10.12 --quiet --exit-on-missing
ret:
2.40
